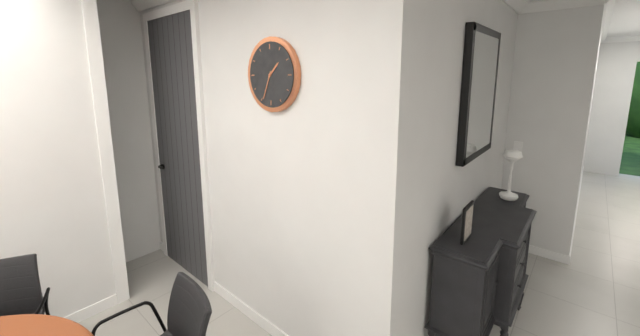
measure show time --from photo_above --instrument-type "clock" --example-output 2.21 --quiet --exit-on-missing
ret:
1.34
